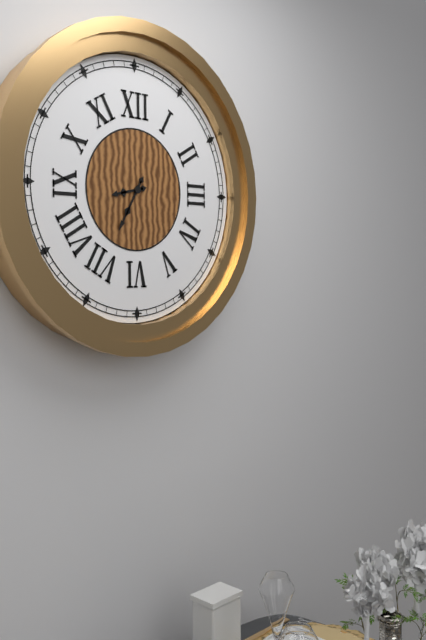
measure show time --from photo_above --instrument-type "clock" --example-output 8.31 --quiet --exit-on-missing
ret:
8.35
